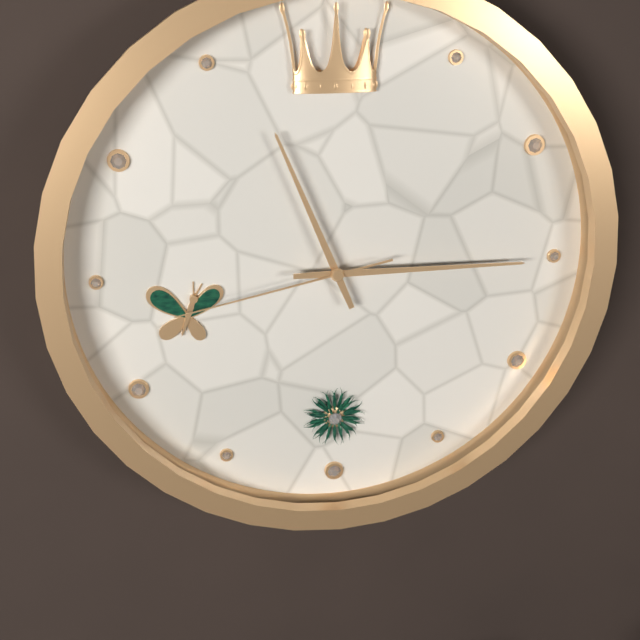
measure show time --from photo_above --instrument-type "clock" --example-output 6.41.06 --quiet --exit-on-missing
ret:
11.15.43
